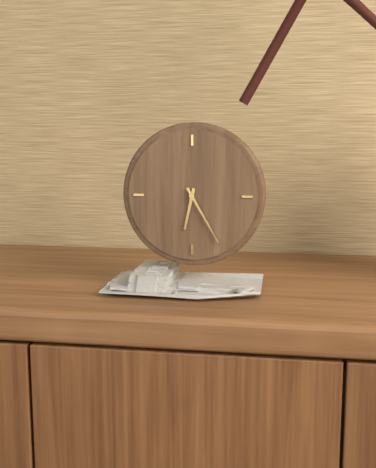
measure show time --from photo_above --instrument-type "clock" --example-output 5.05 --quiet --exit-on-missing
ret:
6.25
